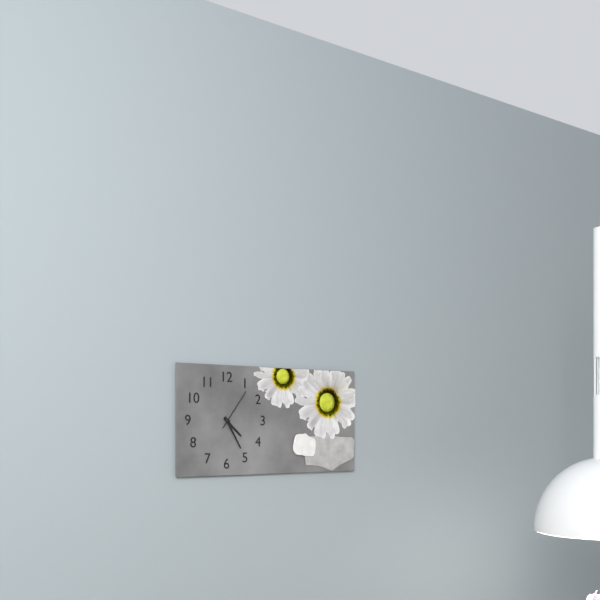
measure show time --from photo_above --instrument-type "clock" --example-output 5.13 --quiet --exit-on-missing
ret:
4.25
